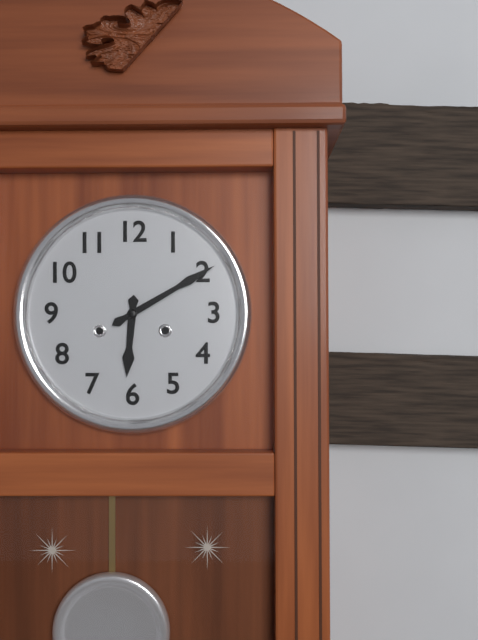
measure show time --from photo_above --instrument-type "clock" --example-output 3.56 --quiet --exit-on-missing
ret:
6.10
